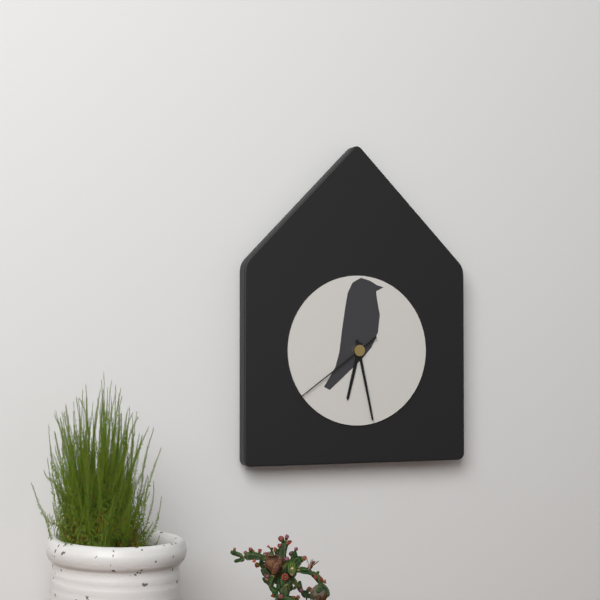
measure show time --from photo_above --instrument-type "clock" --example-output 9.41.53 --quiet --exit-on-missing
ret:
6.28.39
